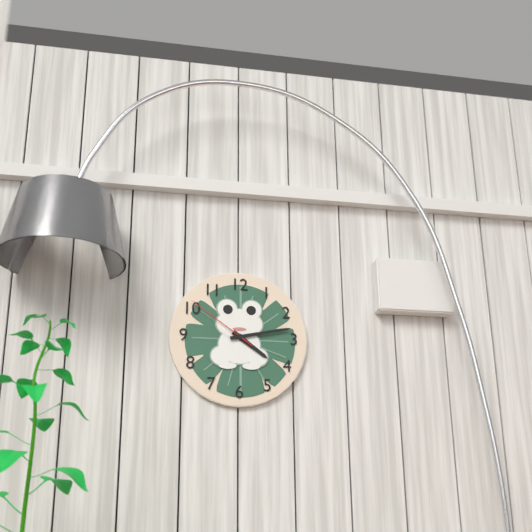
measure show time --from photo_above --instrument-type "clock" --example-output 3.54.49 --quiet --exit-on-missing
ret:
4.13.51
